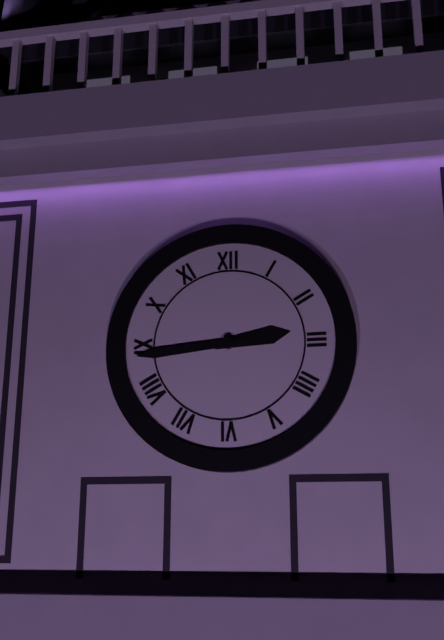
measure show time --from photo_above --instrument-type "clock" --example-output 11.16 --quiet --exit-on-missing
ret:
2.44
